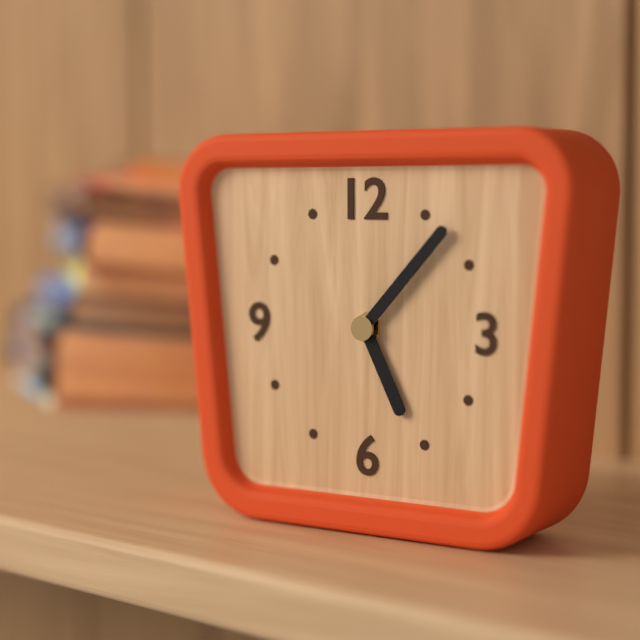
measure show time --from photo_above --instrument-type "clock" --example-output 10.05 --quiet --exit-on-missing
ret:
5.07
